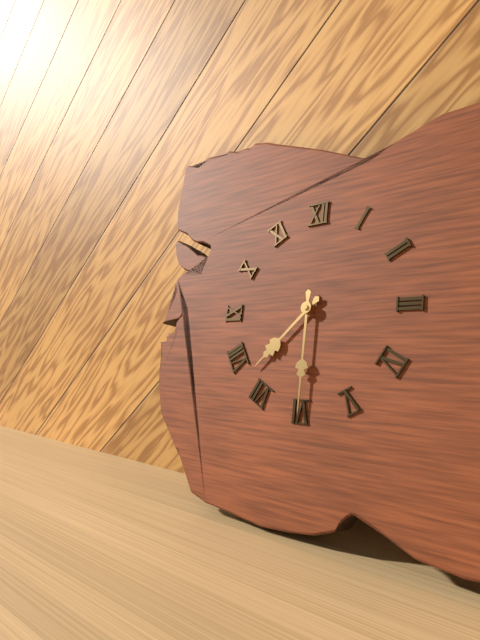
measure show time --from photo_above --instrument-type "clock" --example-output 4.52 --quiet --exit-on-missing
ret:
7.30
